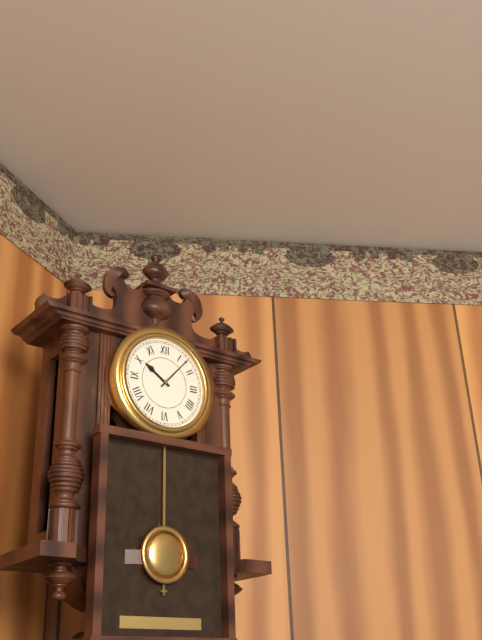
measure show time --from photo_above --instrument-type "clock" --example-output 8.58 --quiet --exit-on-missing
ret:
10.07
